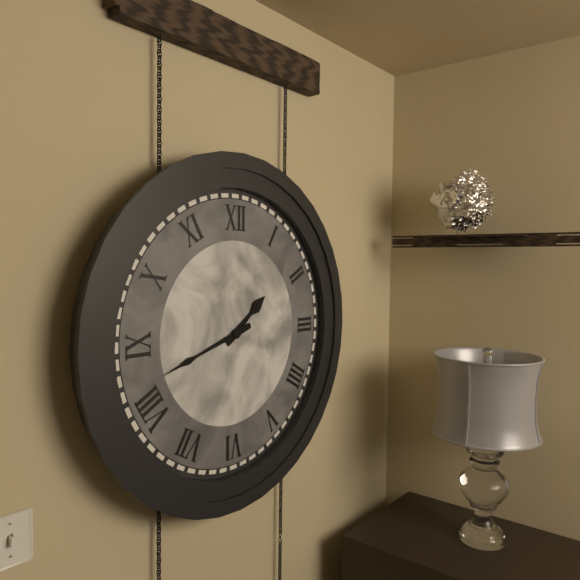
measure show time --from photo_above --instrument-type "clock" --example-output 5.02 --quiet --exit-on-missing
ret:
1.42
